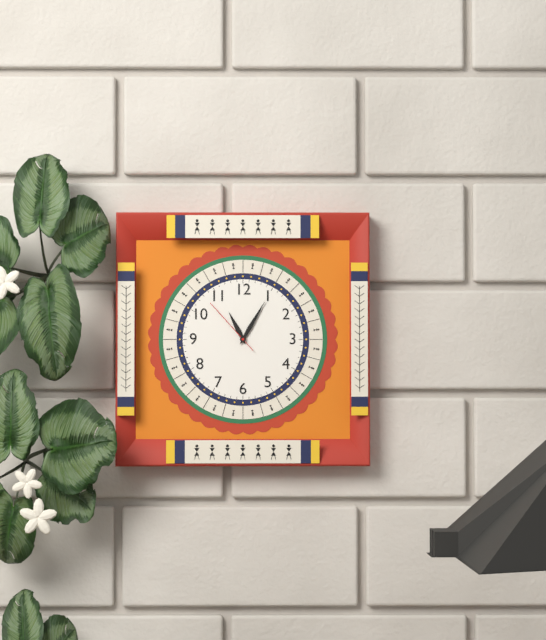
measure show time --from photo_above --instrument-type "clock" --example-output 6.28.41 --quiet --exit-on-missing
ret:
11.05.53
